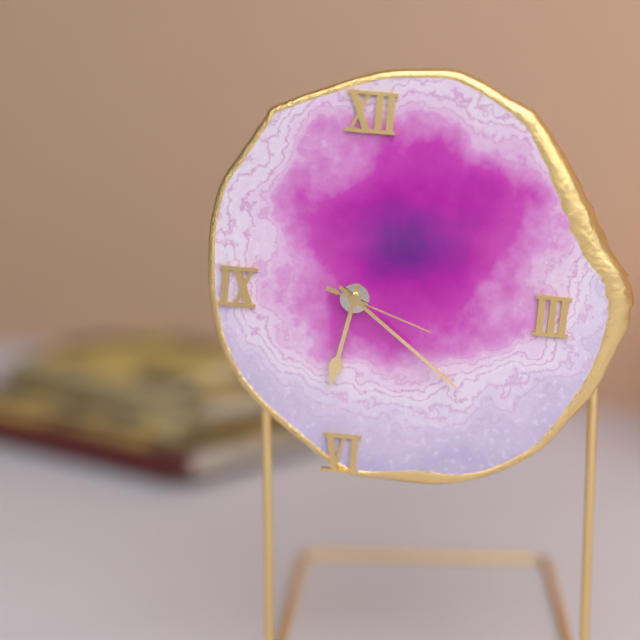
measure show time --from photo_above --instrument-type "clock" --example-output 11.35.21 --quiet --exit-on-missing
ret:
6.21.18
